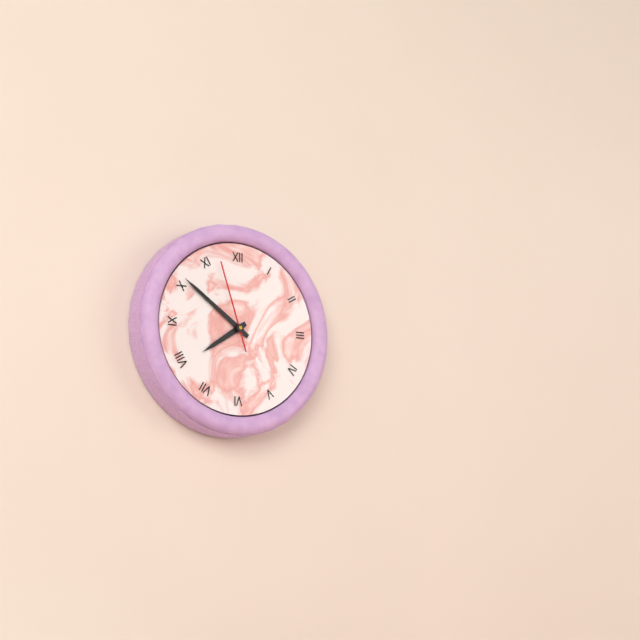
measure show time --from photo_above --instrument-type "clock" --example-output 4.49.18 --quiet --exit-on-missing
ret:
7.51.57
